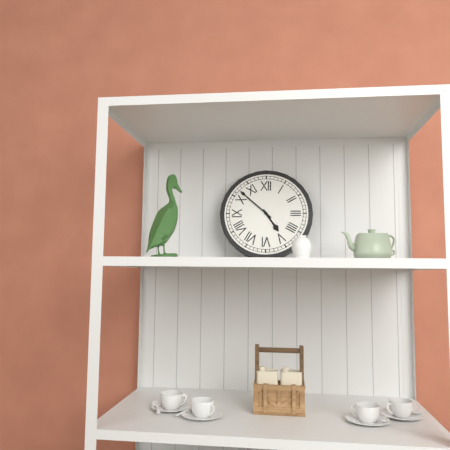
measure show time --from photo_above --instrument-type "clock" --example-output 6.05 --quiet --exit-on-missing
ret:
4.52
